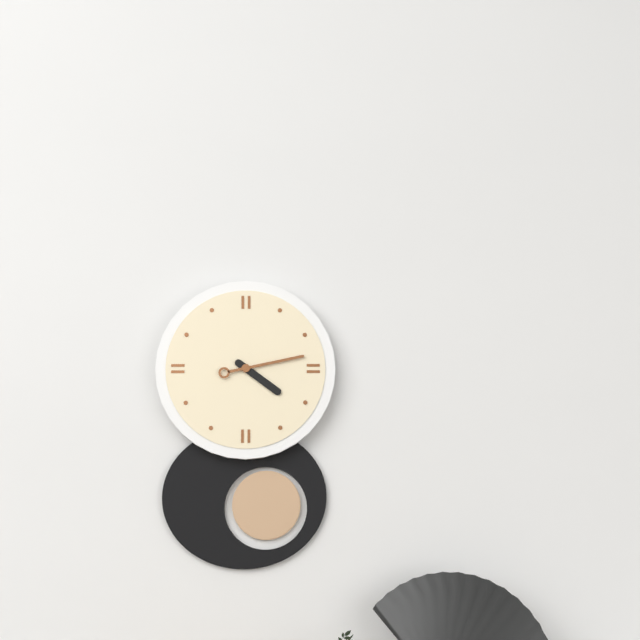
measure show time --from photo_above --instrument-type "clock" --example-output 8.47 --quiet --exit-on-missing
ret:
4.13
